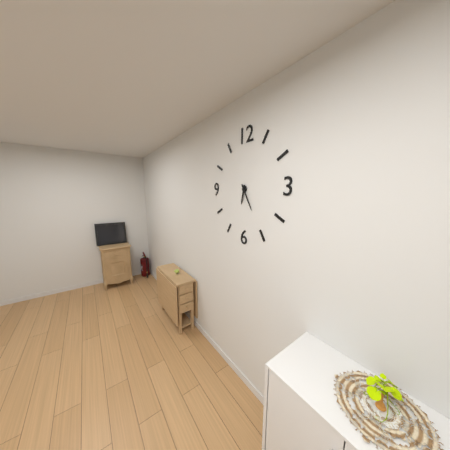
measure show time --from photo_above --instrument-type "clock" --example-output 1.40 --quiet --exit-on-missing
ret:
6.25
